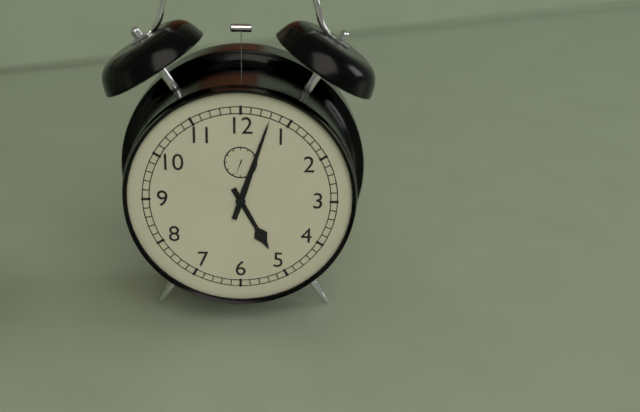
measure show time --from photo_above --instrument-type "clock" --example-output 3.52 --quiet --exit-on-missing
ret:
5.03
